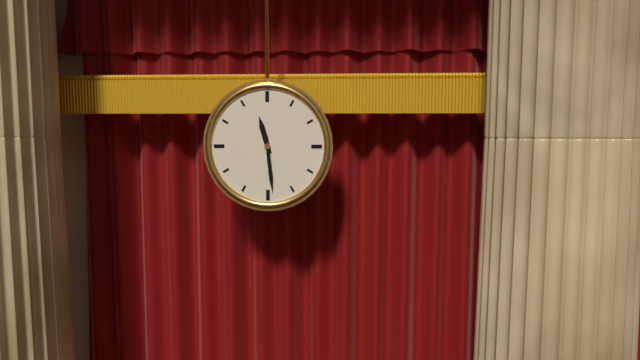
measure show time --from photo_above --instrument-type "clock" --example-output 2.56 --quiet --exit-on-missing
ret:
11.29
